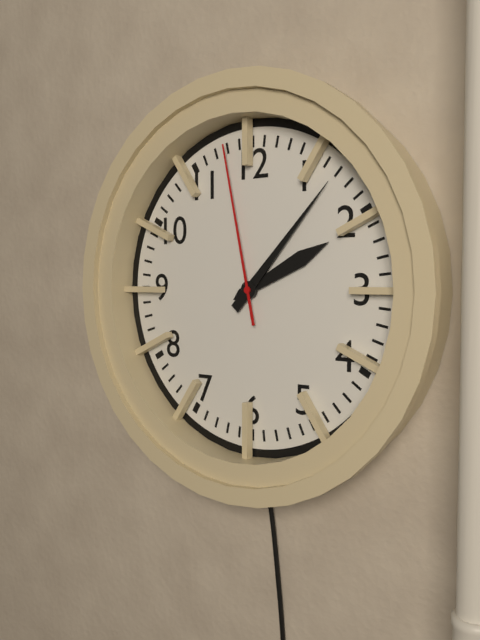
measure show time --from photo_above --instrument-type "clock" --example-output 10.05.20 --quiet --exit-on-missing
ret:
2.07.58
